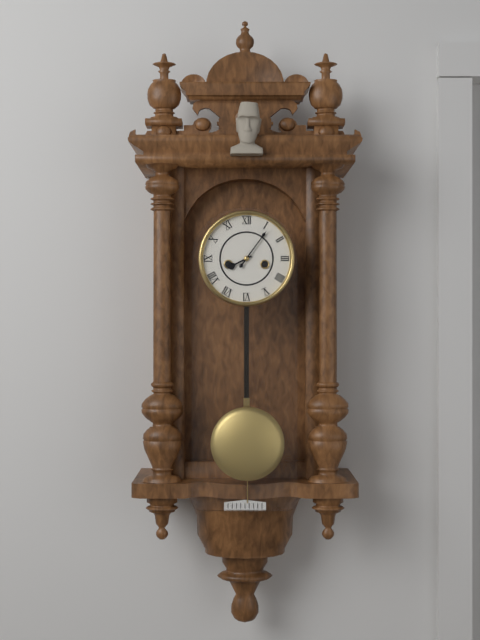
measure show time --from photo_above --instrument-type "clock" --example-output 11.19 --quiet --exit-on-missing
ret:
8.06
